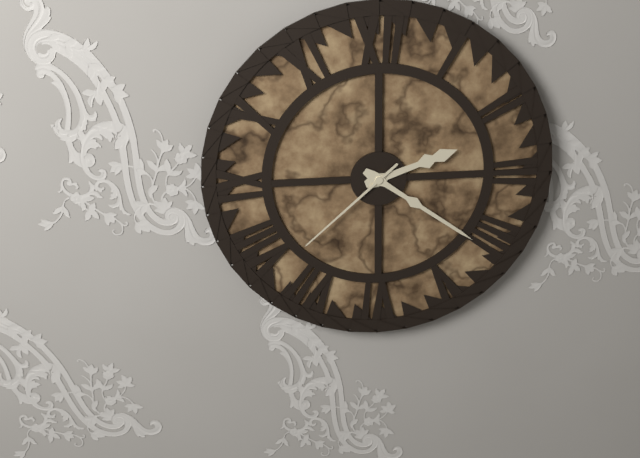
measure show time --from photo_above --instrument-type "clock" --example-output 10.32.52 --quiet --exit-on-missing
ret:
2.21.38
